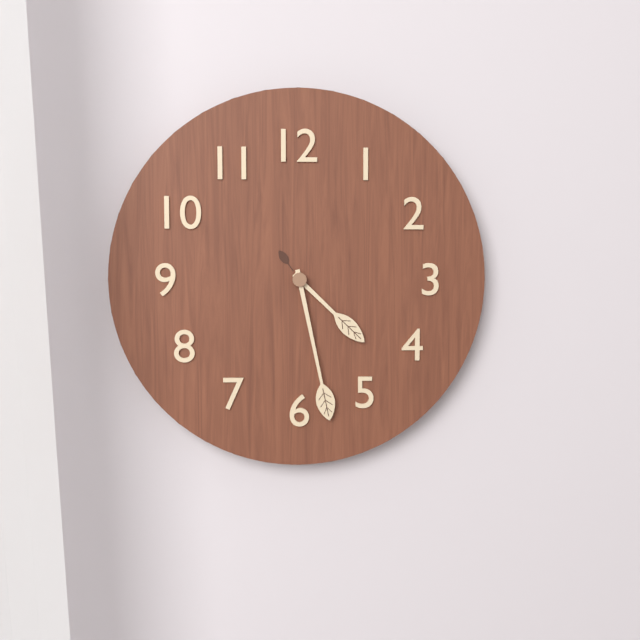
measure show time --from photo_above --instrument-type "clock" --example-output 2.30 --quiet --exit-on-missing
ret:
4.28
